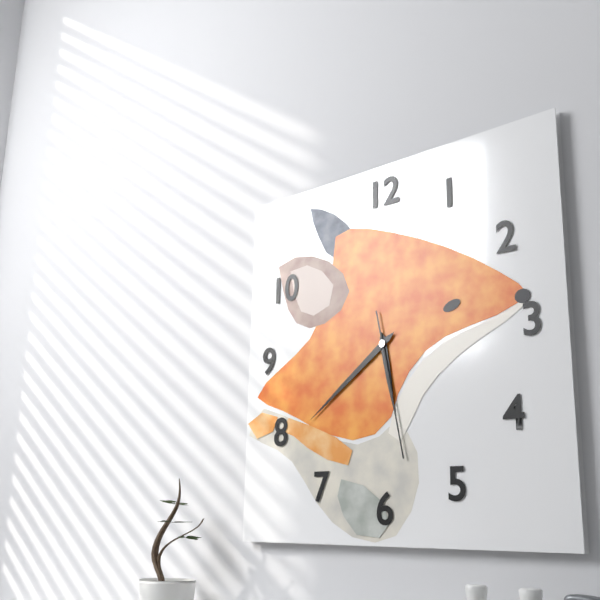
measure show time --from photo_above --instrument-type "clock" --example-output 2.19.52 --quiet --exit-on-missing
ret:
5.39.28
